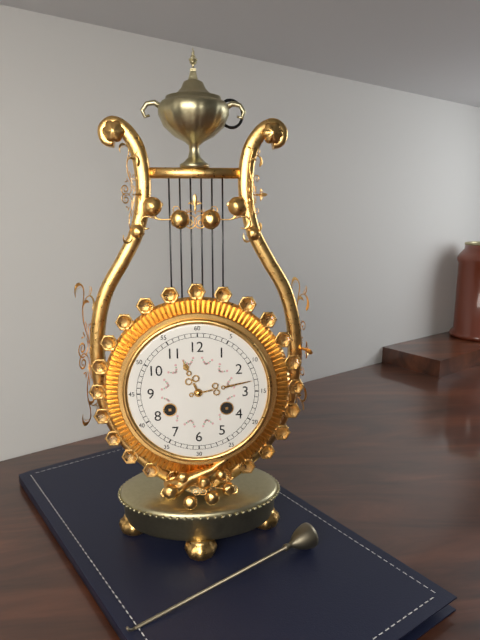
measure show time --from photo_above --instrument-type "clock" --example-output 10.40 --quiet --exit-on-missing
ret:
11.13
